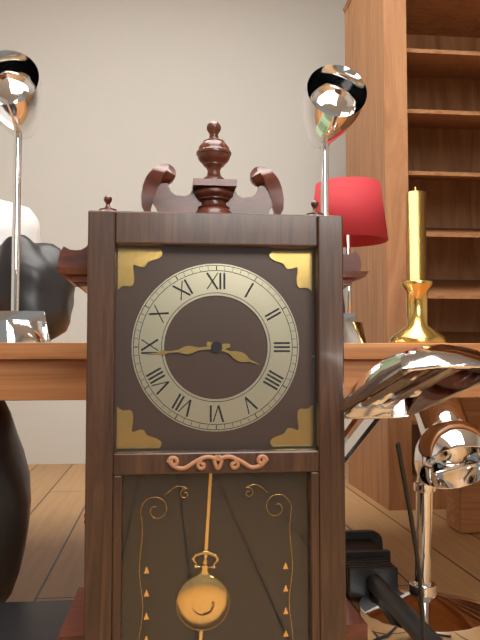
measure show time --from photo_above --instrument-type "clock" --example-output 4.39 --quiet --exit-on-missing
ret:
3.44
